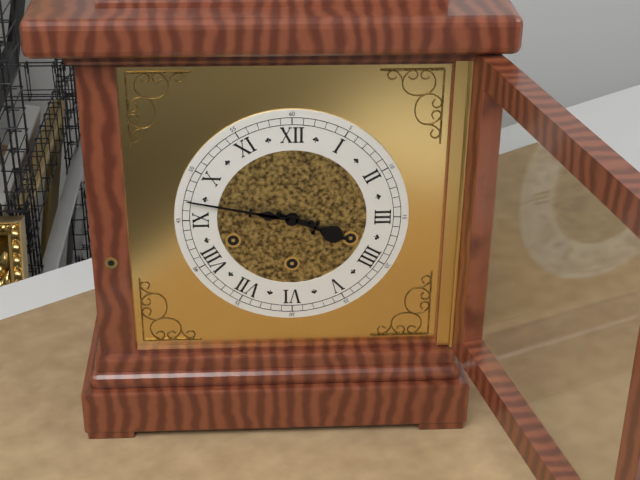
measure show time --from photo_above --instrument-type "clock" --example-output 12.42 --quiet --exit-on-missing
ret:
3.47
